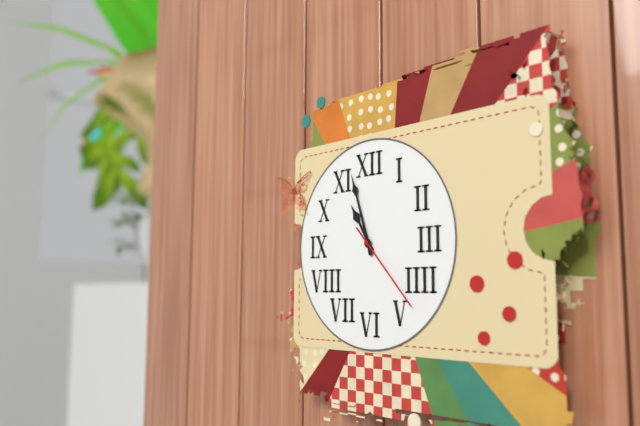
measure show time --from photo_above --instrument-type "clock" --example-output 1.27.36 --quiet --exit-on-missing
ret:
10.57.23
